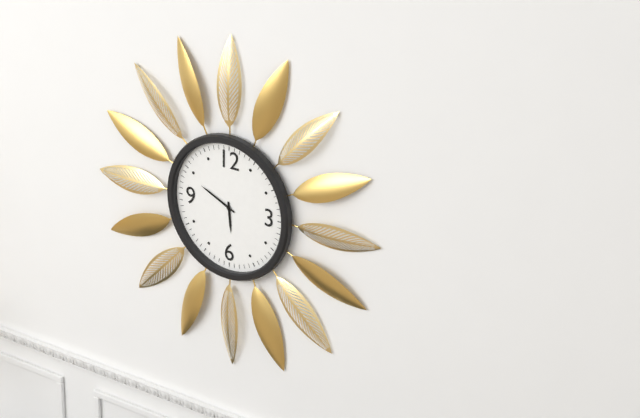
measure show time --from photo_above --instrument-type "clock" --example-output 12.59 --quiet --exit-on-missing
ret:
5.49
